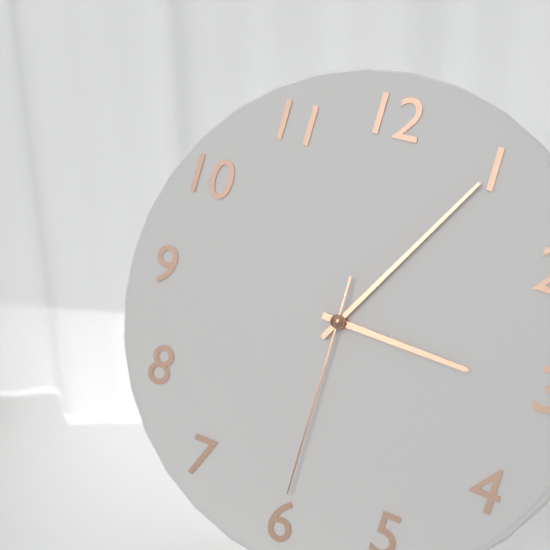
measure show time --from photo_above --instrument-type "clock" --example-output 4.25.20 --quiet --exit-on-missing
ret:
3.05.30
